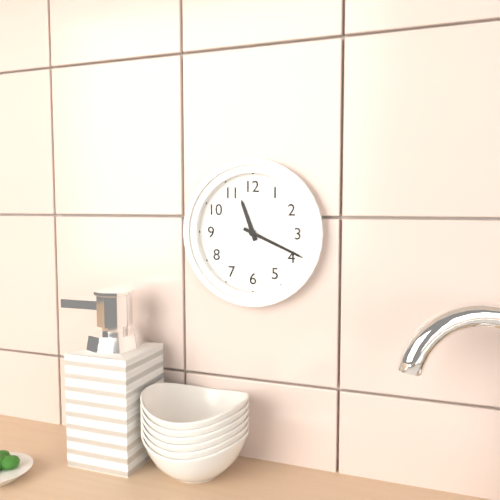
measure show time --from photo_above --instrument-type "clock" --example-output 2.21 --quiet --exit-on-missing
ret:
11.19
